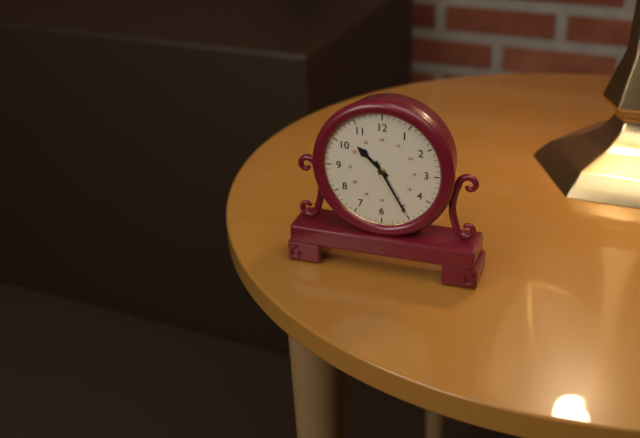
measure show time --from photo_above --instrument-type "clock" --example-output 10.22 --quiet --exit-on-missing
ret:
10.25
